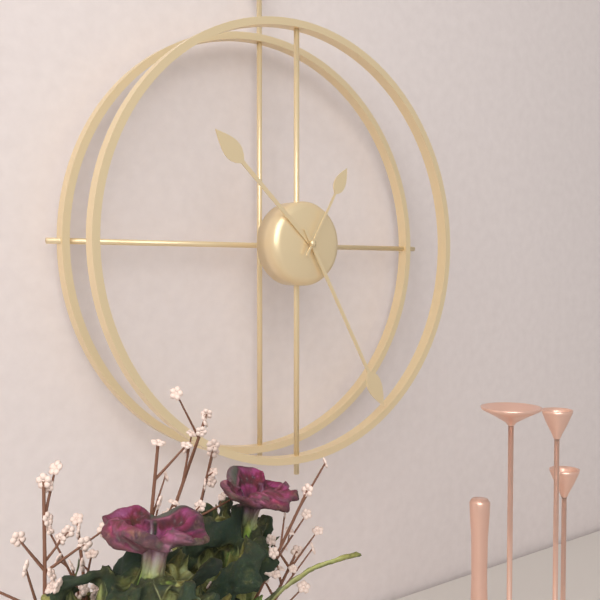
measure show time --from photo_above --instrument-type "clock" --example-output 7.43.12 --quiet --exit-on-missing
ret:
10.25.05
